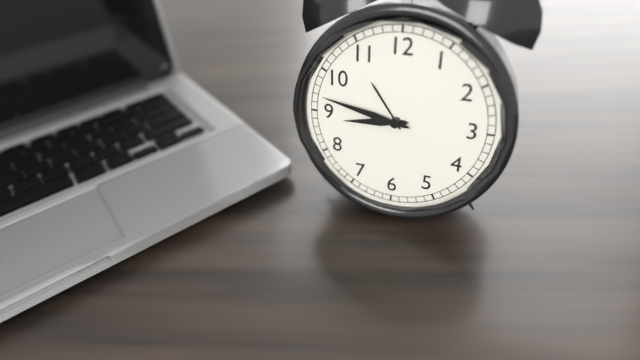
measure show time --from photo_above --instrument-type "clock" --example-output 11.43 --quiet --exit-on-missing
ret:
8.47
